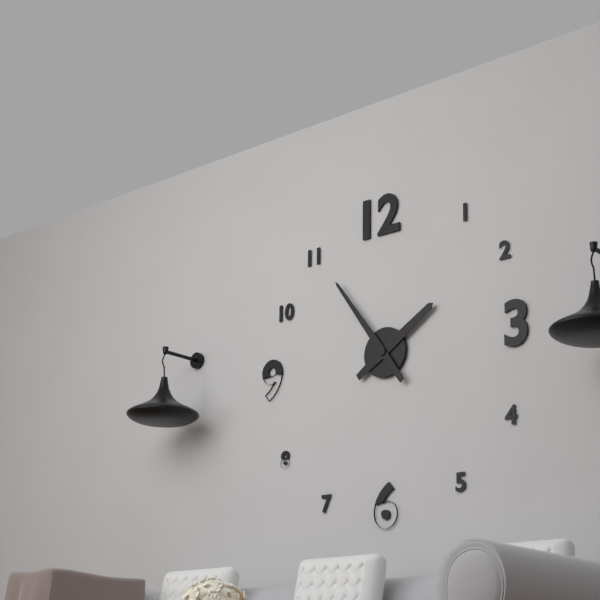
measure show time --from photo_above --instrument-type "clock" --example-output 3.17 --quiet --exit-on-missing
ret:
1.54
